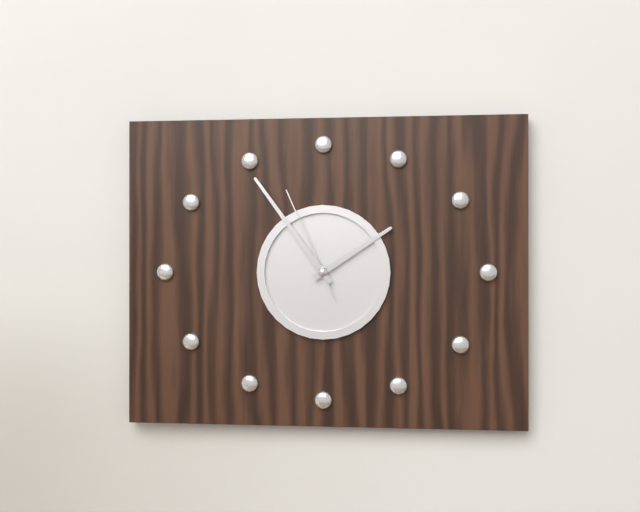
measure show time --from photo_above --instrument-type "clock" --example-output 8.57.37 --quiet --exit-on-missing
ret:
1.54.56
